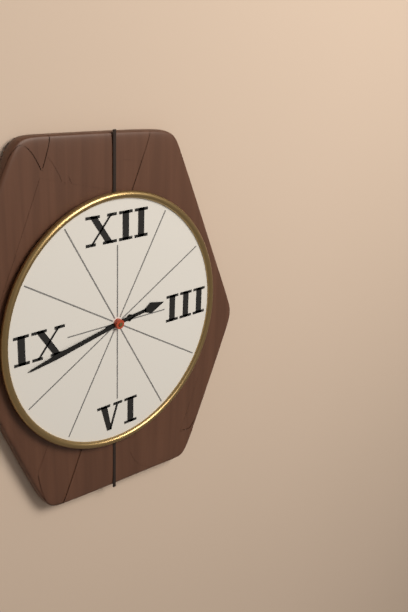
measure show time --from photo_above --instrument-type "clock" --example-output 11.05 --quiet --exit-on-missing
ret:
2.43
